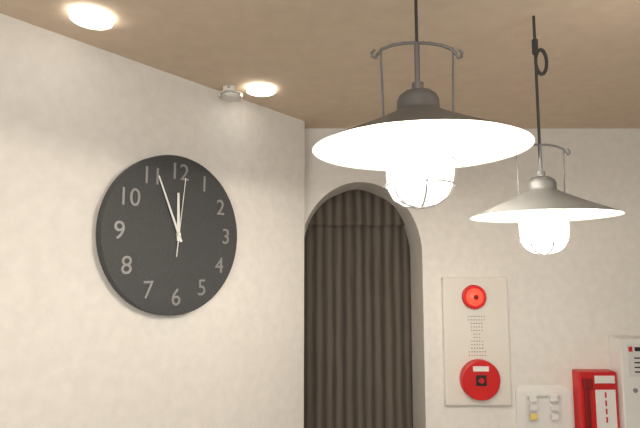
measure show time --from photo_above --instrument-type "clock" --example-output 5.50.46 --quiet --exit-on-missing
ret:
11.56.01
